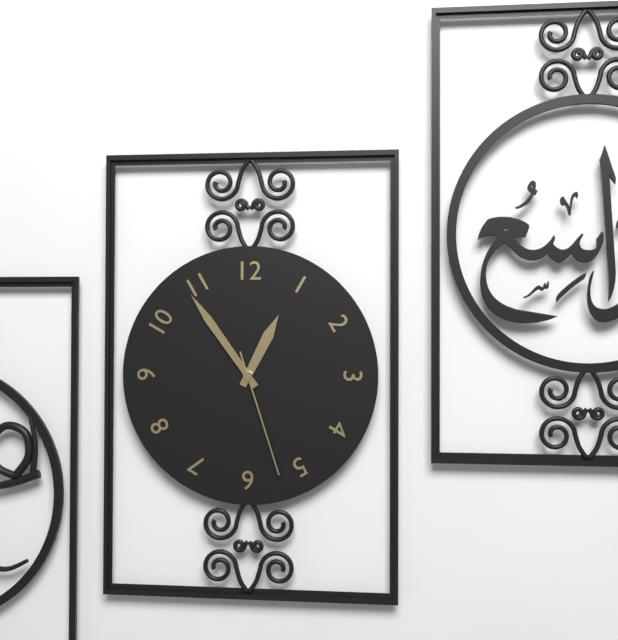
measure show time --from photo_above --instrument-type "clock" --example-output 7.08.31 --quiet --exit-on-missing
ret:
12.54.27
